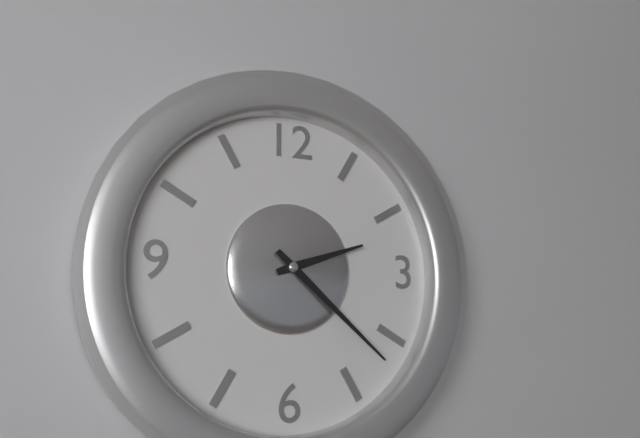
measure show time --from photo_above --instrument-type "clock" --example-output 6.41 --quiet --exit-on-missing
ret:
2.22
